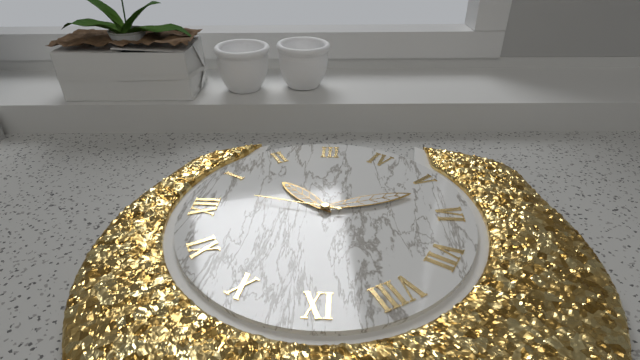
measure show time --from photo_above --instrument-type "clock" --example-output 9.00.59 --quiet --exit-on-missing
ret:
1.27.02
